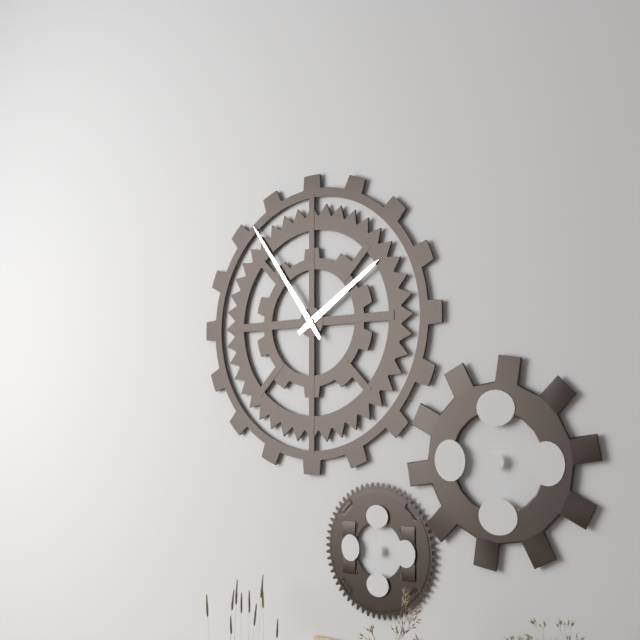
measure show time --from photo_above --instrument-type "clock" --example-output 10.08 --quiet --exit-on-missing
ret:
1.54
